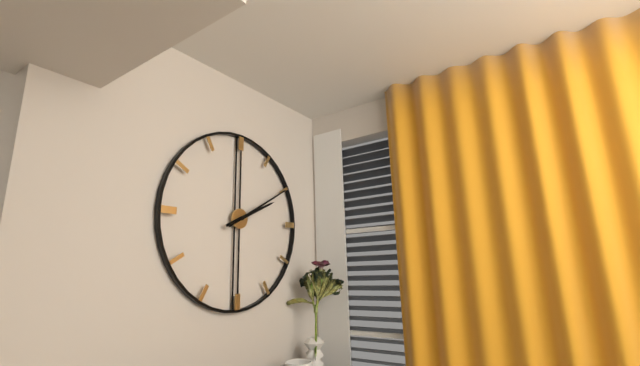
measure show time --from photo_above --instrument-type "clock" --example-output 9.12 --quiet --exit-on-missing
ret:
2.10
